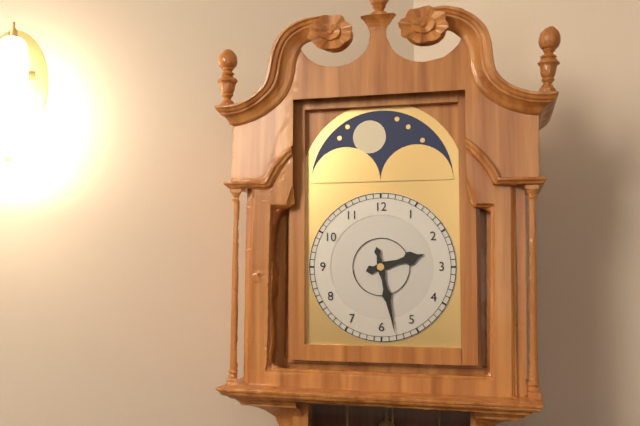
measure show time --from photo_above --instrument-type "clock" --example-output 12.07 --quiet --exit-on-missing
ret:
2.28
